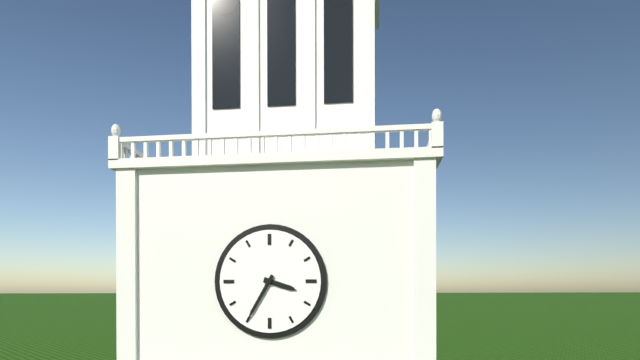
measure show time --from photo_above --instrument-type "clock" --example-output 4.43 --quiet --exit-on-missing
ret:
3.35
